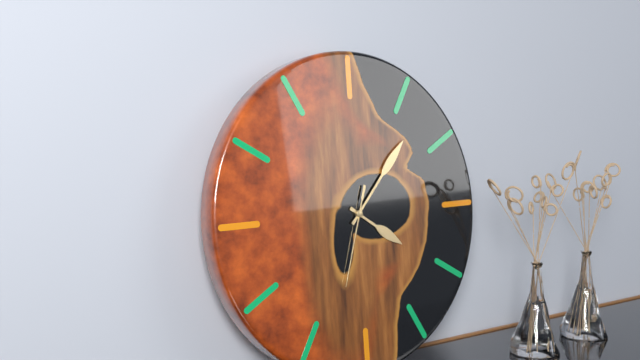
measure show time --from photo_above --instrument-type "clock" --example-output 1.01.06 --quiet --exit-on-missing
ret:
4.07.33
